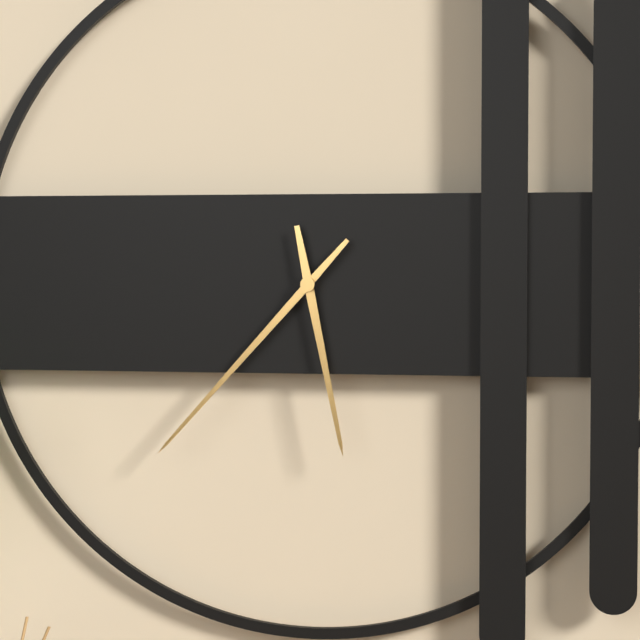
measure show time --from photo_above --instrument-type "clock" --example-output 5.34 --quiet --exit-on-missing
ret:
5.37
